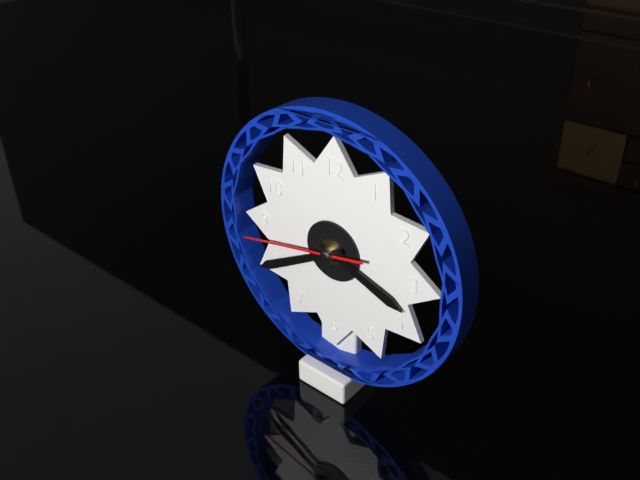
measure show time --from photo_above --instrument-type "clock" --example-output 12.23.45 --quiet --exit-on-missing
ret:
3.40.43
